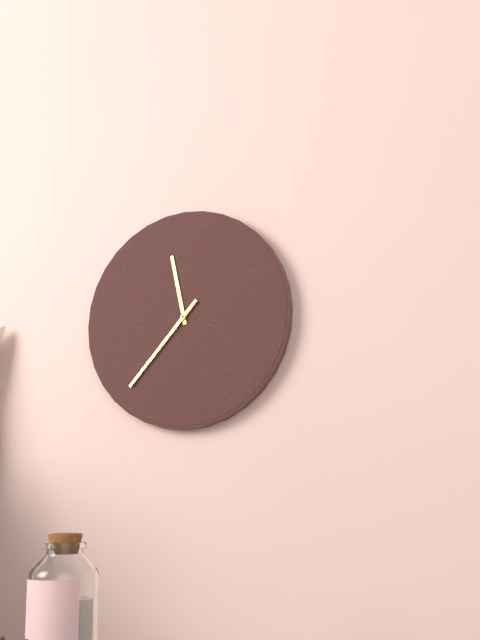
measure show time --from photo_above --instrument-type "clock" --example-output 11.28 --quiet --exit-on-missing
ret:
11.37
